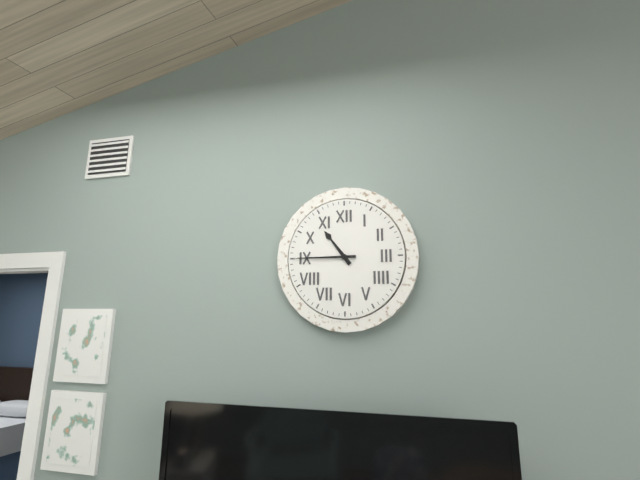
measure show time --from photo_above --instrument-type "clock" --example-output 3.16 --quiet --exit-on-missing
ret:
10.45
